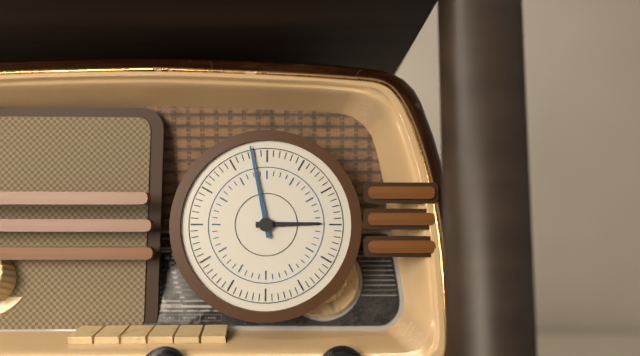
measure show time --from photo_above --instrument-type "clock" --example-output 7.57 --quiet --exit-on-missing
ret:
2.58
